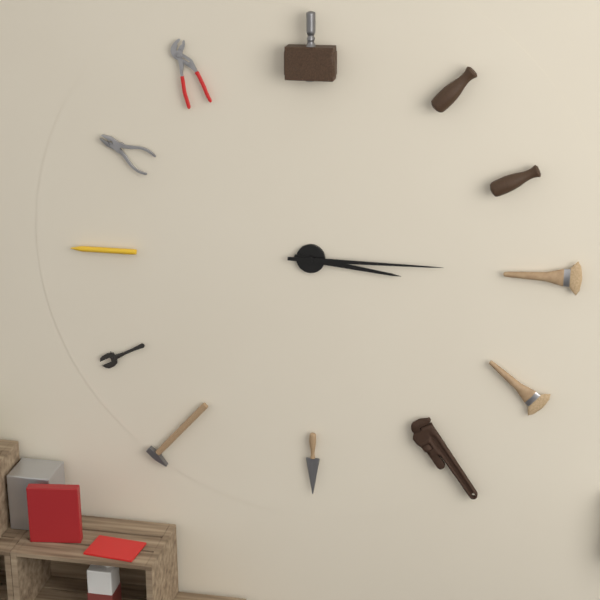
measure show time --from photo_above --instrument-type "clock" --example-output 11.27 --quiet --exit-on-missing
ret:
3.15
